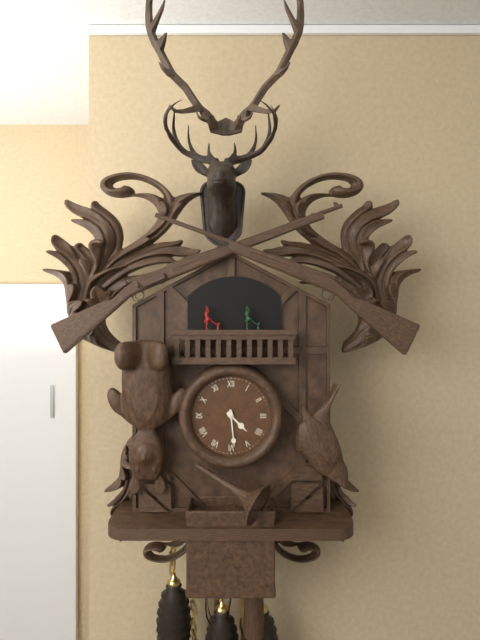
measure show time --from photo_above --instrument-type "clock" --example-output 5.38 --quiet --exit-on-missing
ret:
4.29
